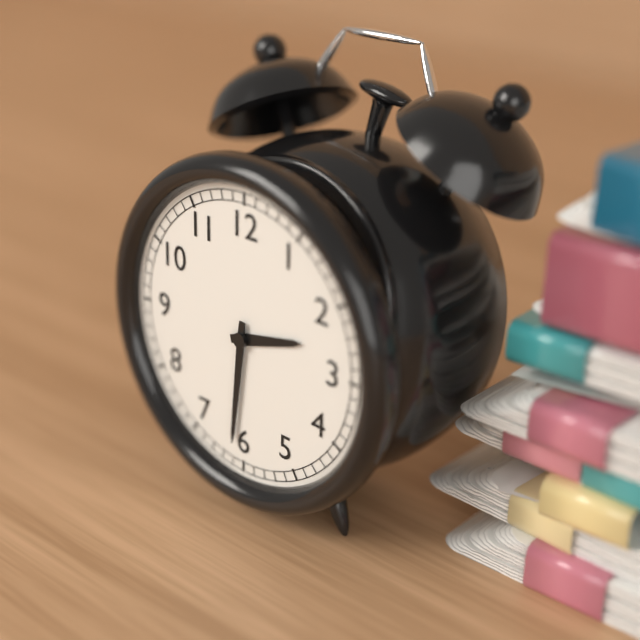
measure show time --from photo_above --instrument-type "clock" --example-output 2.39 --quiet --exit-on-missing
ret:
2.31
